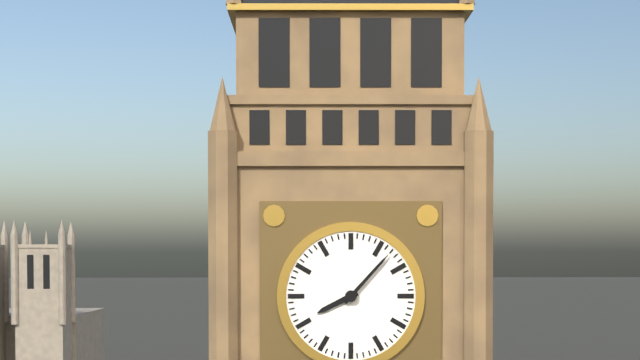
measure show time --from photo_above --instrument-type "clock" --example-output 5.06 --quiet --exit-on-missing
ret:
8.07
